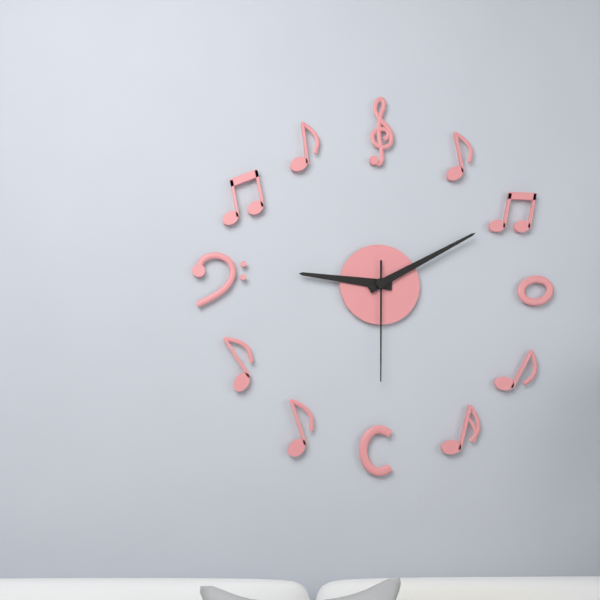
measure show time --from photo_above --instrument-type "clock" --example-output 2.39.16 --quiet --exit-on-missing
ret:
9.10.30
